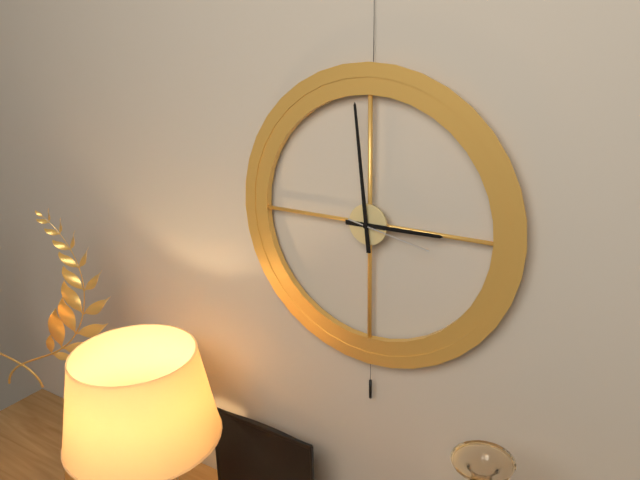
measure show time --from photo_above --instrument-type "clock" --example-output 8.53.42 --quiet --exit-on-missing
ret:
2.59.17
